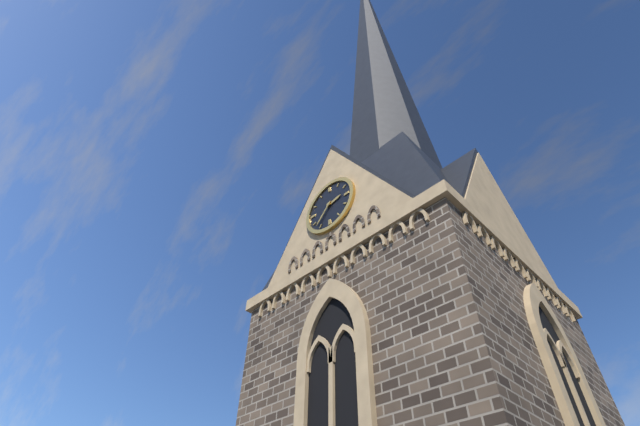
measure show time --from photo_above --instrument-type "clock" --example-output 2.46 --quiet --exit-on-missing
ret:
2.37
